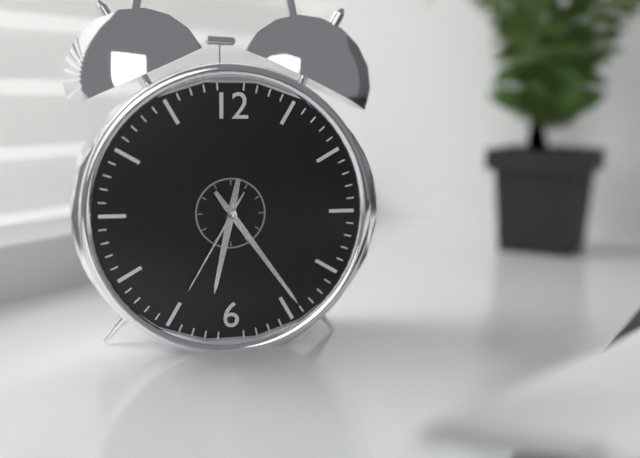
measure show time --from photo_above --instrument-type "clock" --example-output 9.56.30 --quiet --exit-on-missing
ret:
6.24.35
